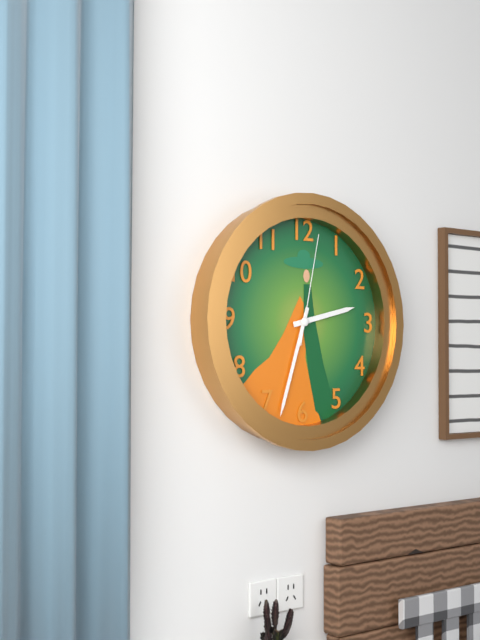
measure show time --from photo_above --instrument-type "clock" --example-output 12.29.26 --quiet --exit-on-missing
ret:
2.33.02
